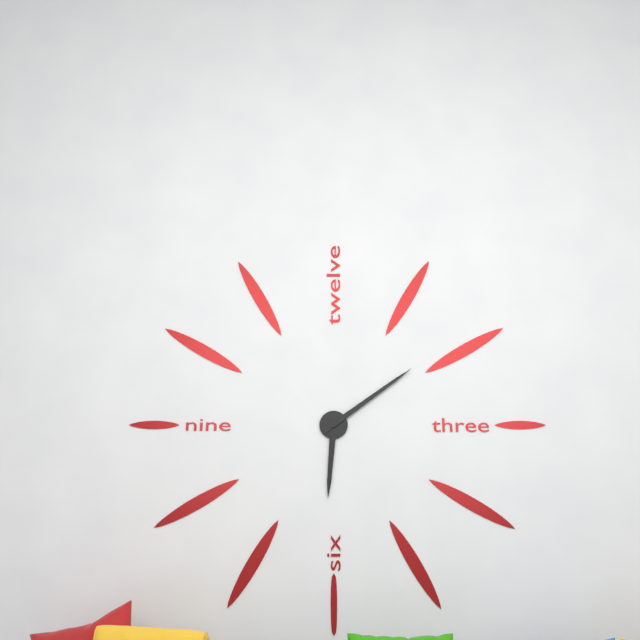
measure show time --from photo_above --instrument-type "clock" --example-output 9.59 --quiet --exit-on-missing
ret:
6.09
